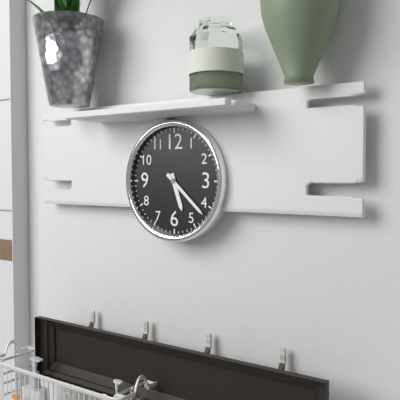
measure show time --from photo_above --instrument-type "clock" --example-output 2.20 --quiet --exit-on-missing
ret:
5.22
